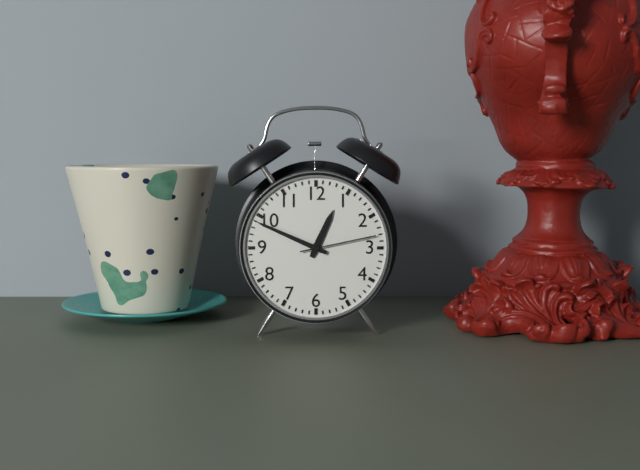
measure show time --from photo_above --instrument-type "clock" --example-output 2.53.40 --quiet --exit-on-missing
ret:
12.49.13
